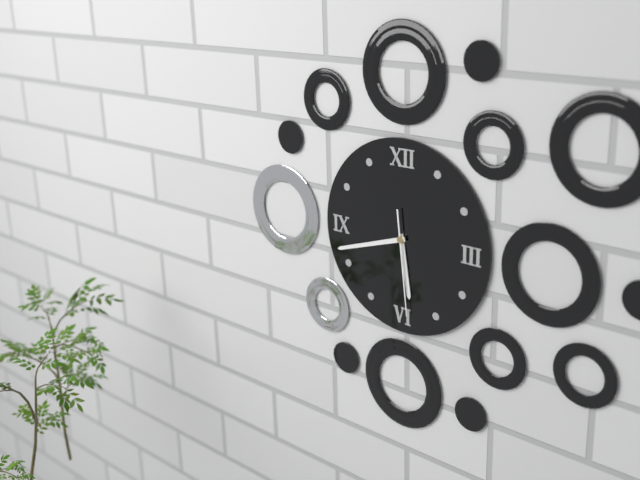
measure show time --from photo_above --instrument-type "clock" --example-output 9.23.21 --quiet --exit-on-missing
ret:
5.42.29
